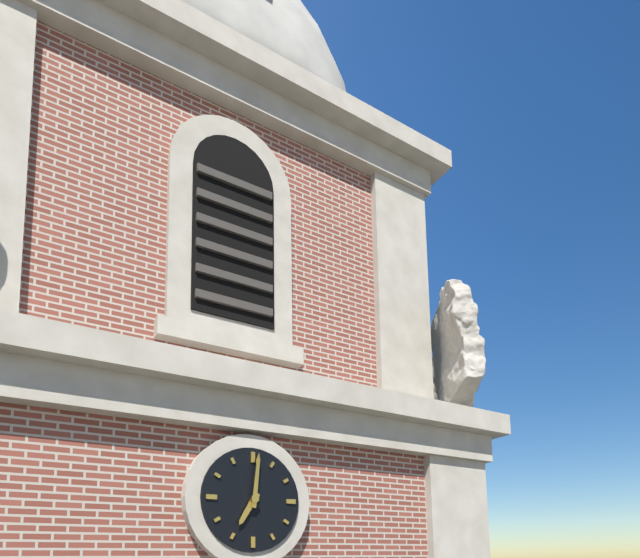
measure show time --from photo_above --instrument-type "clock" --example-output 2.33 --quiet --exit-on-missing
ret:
7.01
